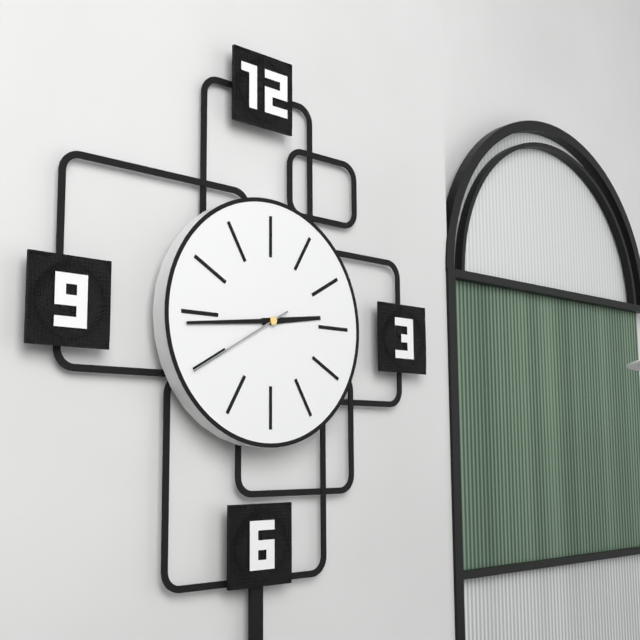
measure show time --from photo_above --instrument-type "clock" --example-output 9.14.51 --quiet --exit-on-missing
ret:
2.44.40
